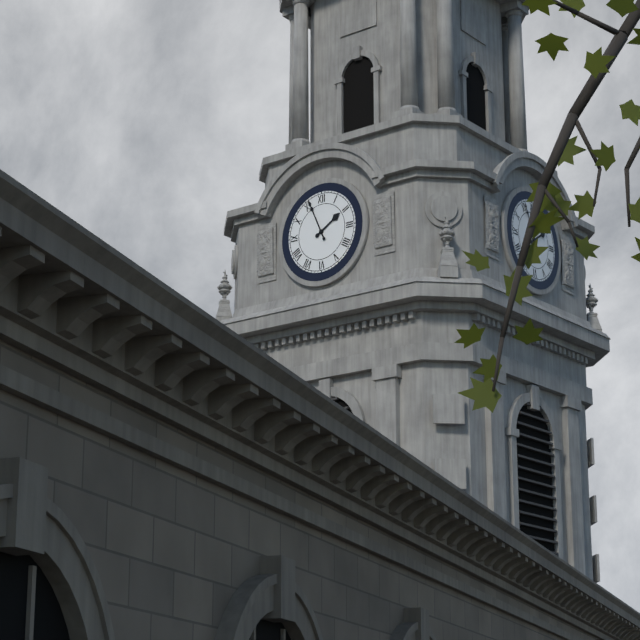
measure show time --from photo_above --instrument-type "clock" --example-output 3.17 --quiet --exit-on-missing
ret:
1.56
